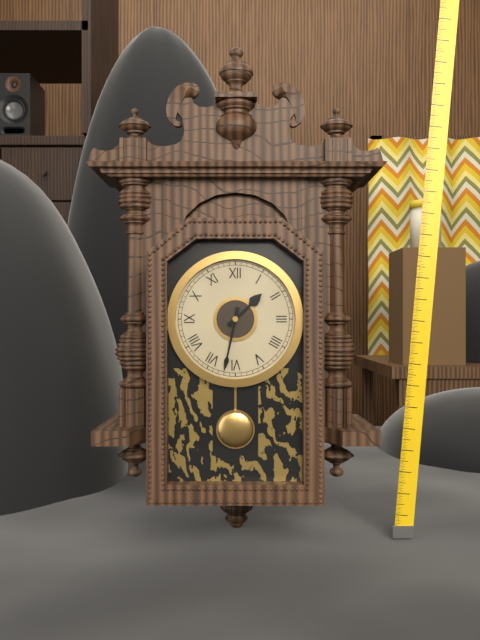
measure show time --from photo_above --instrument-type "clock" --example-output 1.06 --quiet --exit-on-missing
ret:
1.32
